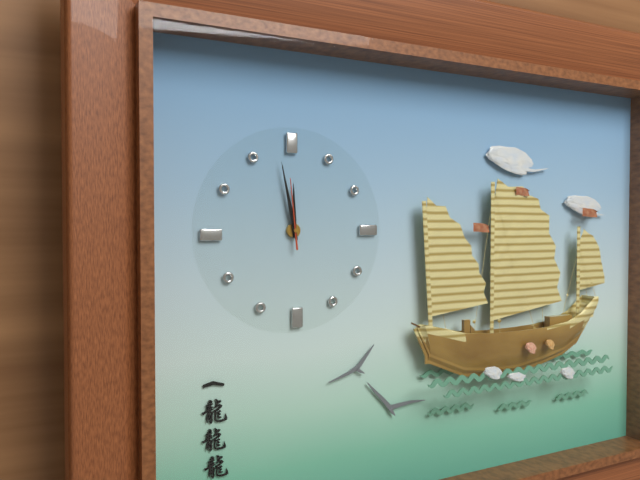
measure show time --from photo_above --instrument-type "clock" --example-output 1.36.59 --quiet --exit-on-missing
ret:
11.58.59
